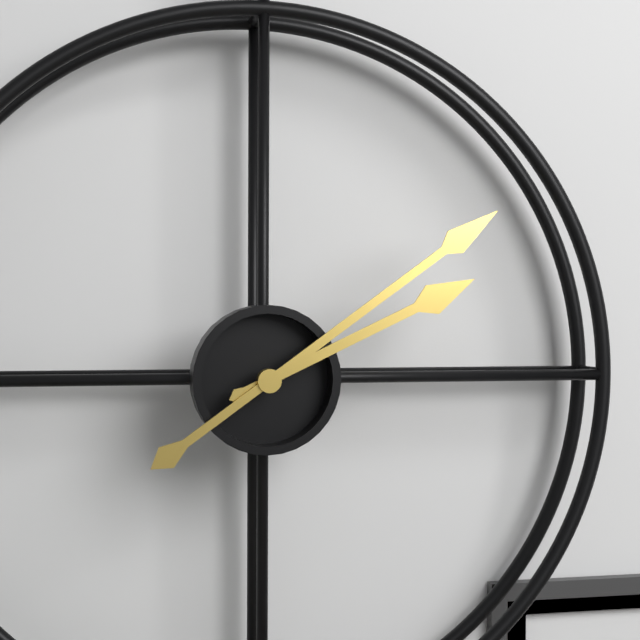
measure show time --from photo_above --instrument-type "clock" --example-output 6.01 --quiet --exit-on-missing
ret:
2.09
